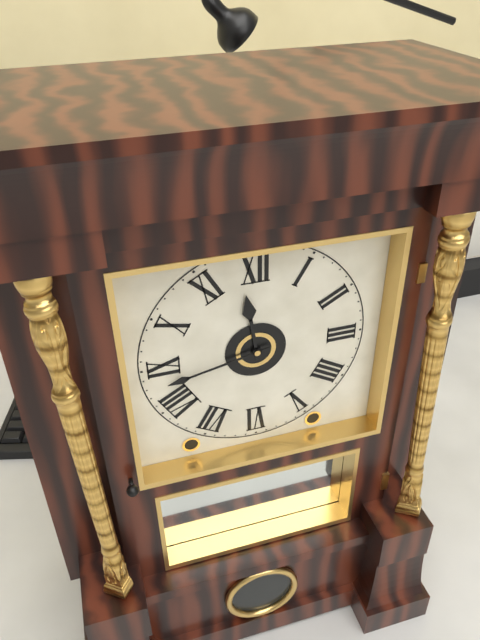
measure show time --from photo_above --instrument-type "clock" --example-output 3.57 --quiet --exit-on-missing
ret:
11.43
